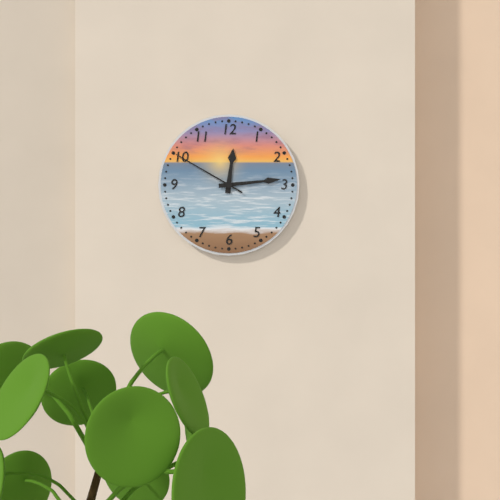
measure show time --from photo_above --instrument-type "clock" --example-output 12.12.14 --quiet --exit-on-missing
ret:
12.14.50
